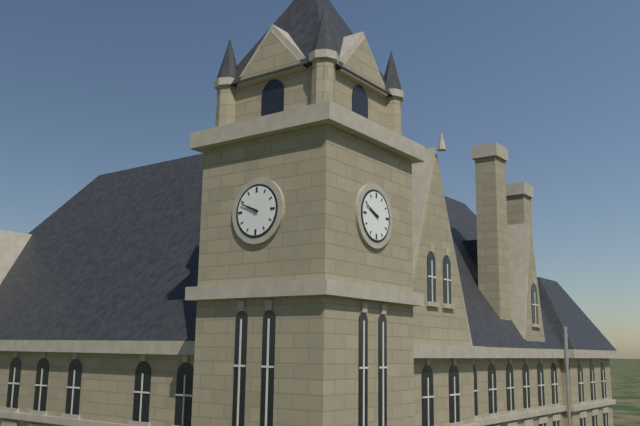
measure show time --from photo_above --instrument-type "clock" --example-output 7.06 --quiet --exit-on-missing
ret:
9.49
